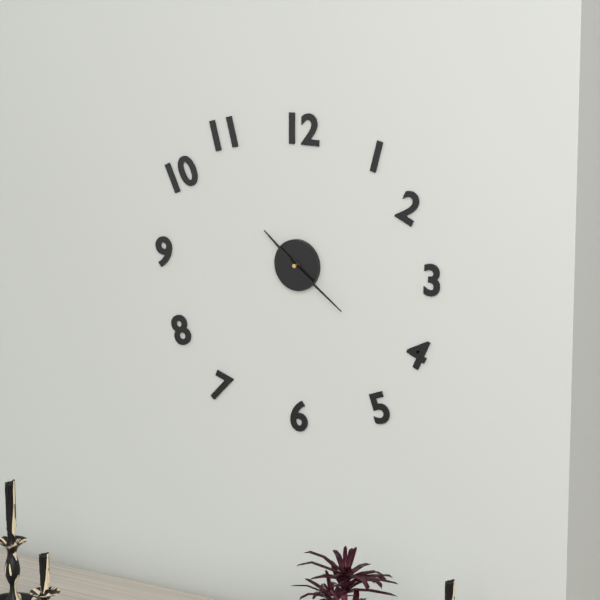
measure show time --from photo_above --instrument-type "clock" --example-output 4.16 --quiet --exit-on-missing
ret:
10.21
